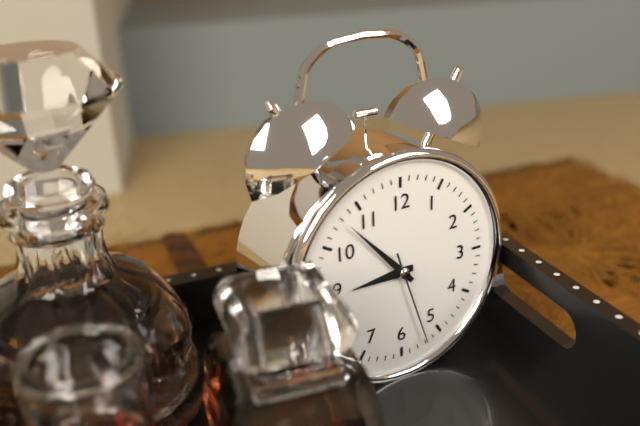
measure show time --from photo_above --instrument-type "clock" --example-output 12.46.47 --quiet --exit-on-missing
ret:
8.53.27
